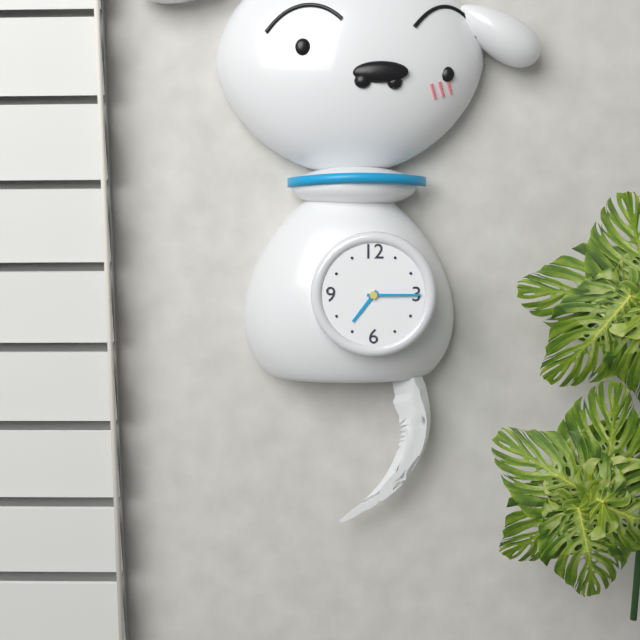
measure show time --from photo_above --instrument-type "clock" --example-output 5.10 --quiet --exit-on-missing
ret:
7.15
